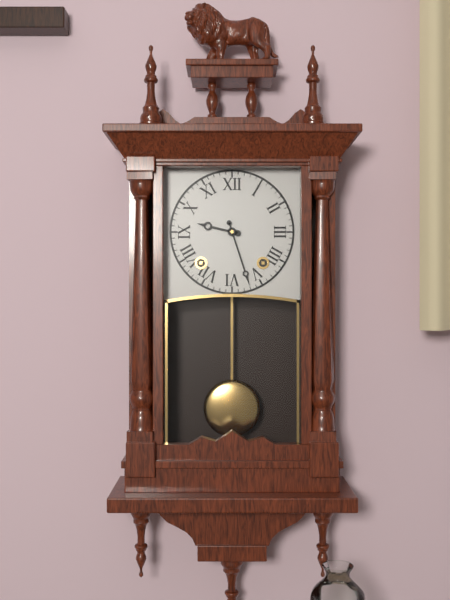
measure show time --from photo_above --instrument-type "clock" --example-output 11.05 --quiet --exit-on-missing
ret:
9.27
